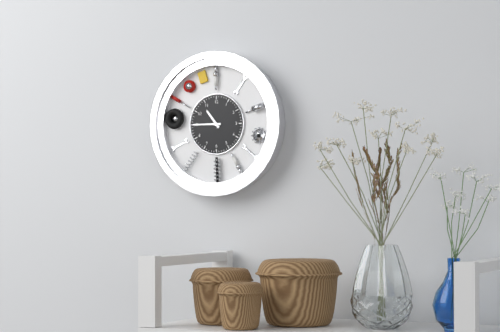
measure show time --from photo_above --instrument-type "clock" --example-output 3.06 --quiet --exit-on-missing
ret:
10.45
